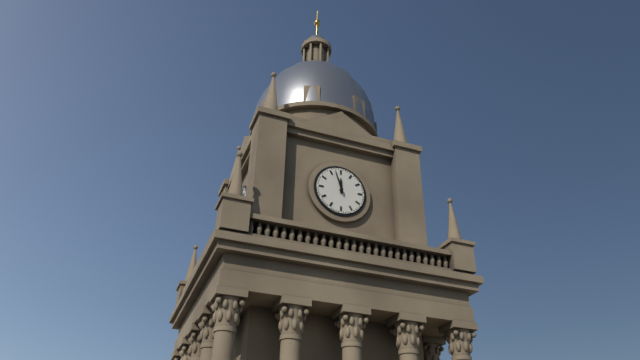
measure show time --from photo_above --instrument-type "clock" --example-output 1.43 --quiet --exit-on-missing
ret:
11.57
